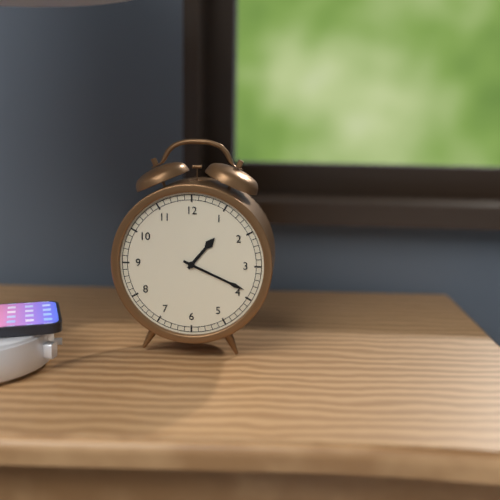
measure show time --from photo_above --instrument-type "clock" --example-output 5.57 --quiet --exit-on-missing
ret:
1.19
